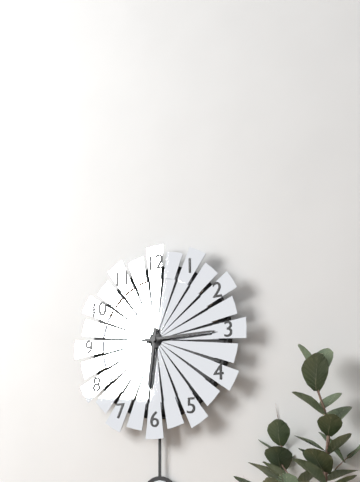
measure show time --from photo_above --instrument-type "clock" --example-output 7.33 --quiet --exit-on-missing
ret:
6.15
